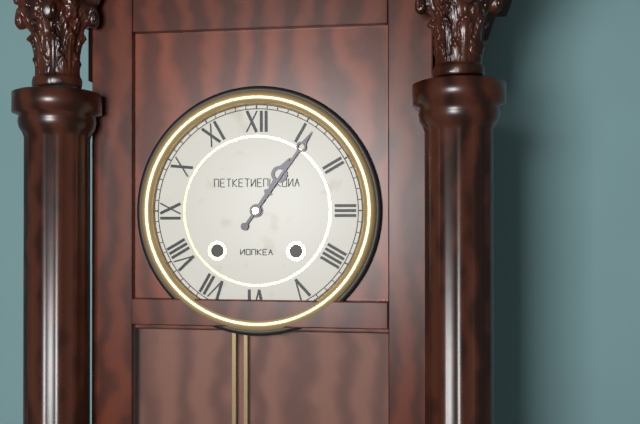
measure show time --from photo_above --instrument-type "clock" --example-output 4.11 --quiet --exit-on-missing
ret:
1.06
